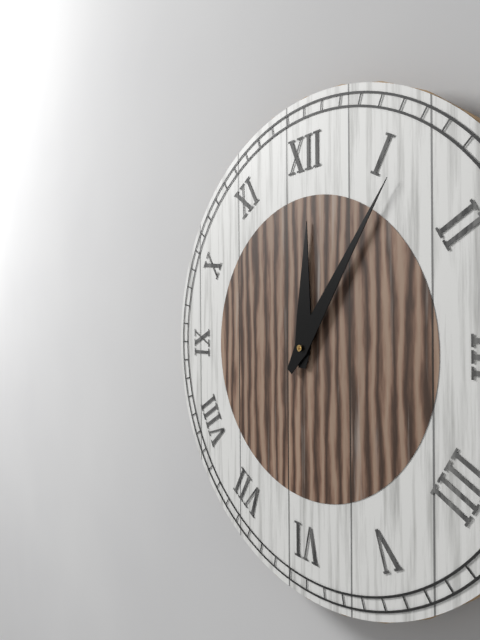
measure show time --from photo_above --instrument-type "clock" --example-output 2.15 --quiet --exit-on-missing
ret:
12.06
